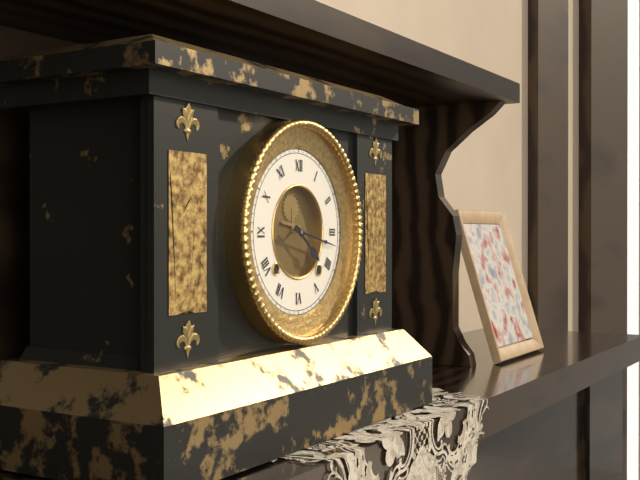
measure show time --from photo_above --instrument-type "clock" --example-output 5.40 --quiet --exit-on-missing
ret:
4.17
